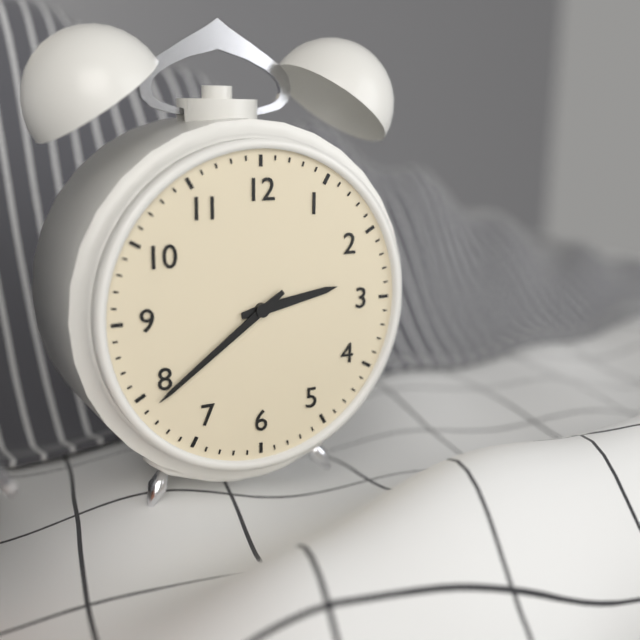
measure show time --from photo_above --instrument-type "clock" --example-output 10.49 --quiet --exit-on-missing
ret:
2.39
